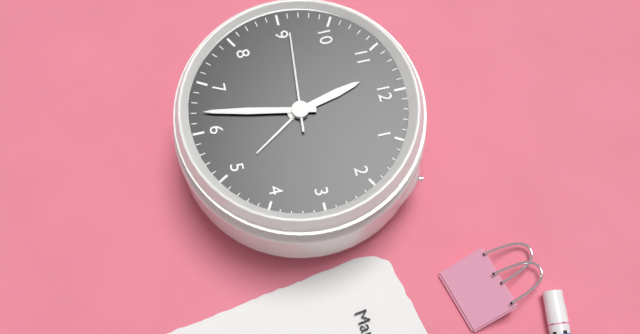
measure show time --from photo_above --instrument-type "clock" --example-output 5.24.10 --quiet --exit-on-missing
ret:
11.32.46
